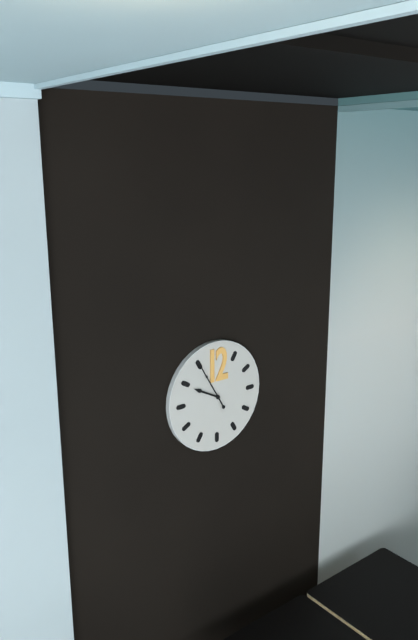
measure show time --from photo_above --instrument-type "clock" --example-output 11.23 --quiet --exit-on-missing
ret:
9.55
